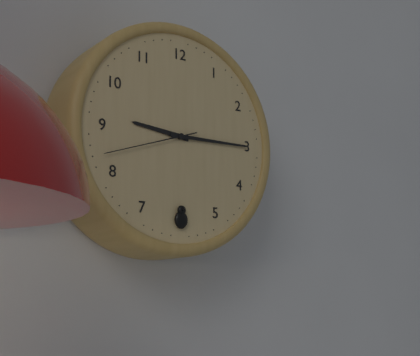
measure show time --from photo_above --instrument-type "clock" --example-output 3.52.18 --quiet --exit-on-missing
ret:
9.15.42
